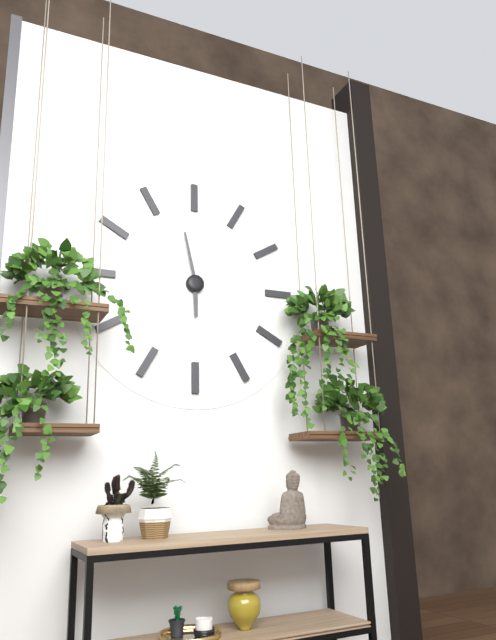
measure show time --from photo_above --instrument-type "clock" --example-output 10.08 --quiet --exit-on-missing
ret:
5.58
